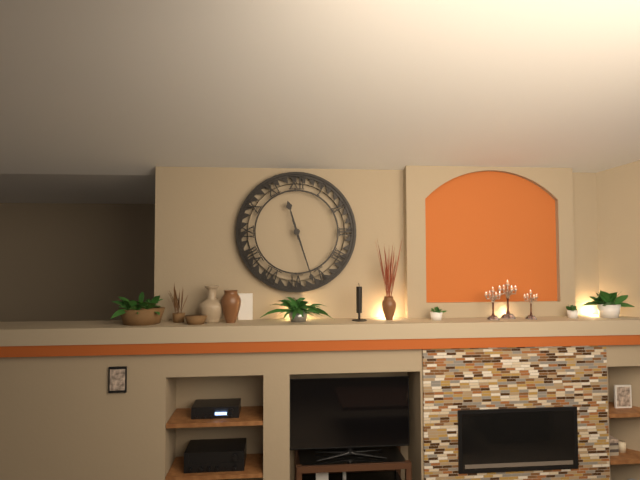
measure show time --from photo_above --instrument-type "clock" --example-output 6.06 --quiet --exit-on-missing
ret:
11.27
